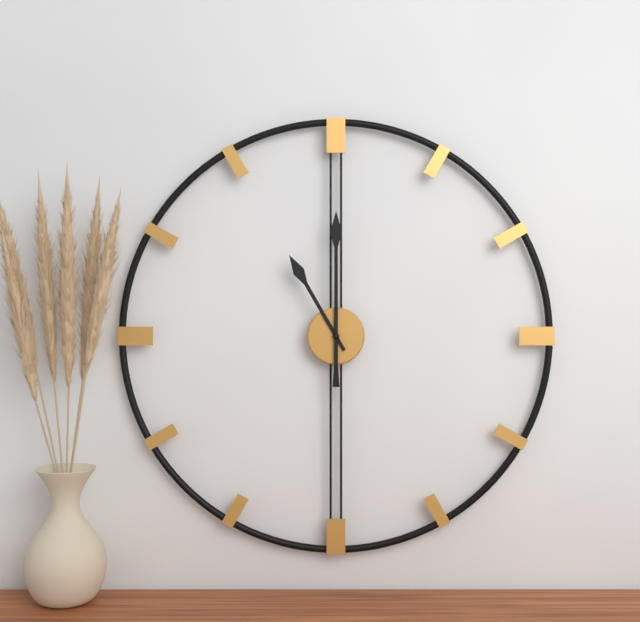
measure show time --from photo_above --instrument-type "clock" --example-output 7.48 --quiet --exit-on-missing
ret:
11.00
